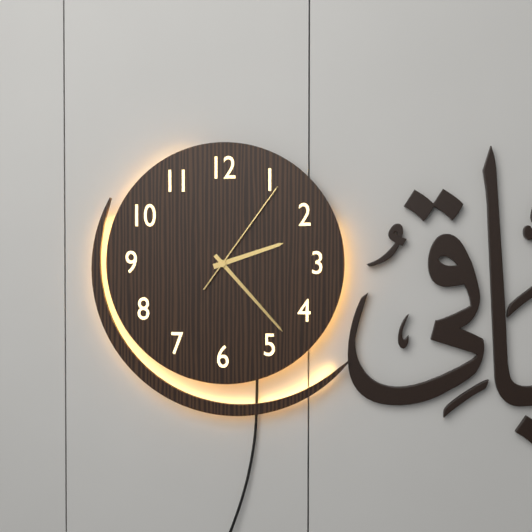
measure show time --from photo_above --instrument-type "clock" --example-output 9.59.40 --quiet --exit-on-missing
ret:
2.23.06
